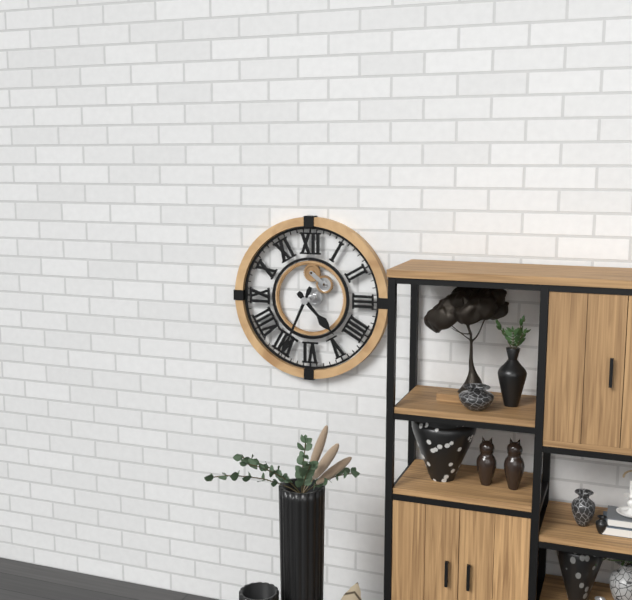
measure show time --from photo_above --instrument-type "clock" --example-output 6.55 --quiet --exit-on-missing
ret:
4.34
